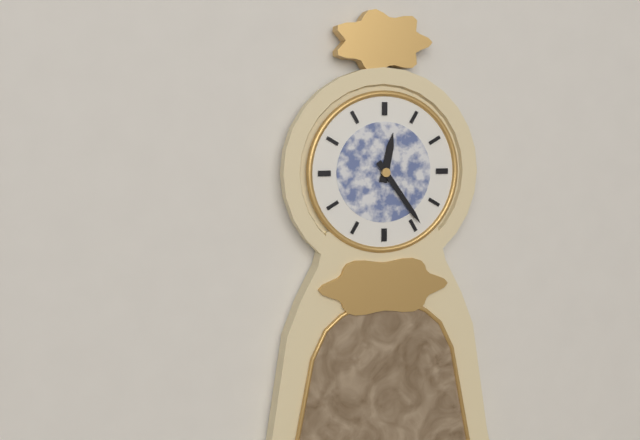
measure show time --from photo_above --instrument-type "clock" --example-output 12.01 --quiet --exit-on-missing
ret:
12.24
